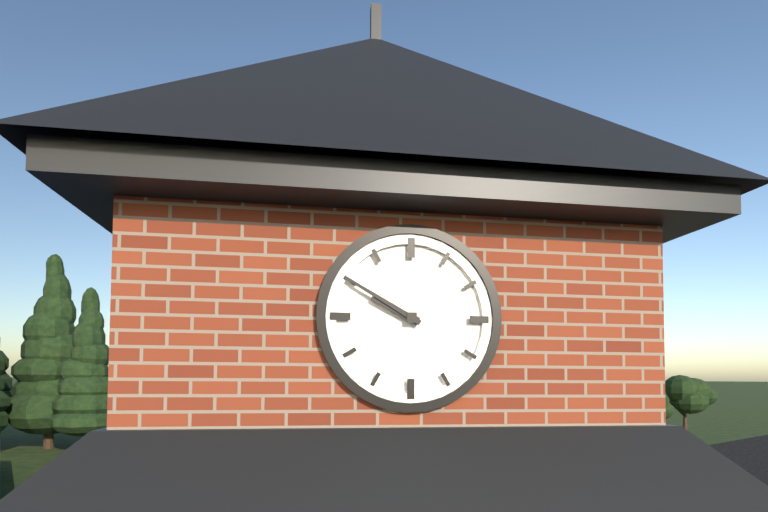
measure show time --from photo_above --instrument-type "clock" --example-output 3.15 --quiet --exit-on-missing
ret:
9.50
